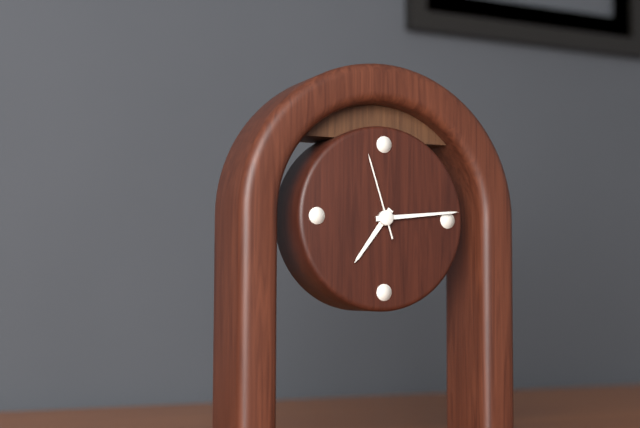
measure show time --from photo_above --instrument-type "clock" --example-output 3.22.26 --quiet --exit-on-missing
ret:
7.14.57
